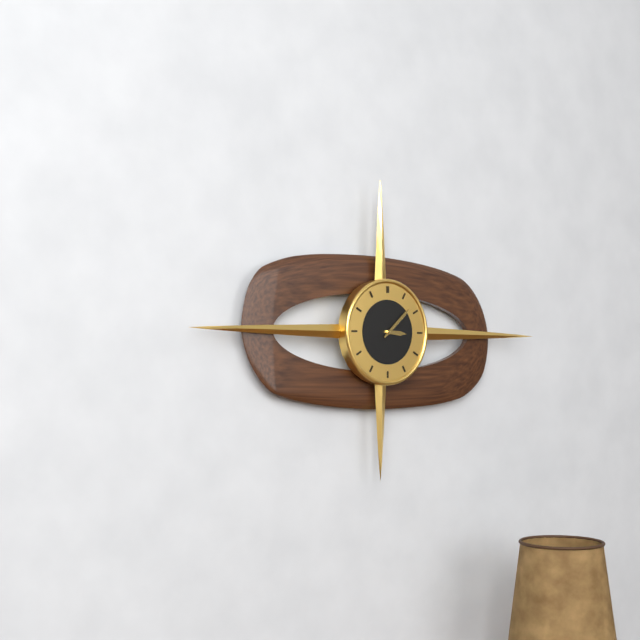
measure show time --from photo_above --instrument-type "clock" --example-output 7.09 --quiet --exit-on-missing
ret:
3.08
